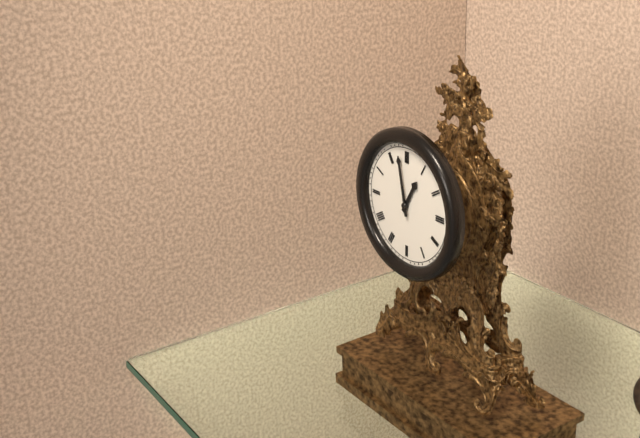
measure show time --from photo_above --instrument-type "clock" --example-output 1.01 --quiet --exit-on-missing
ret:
12.58
